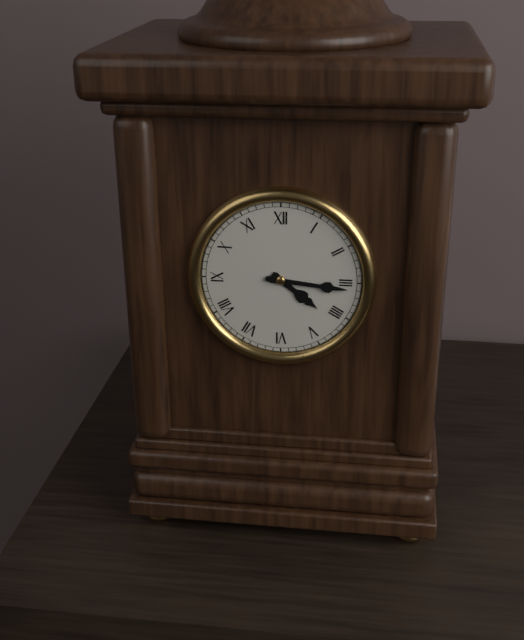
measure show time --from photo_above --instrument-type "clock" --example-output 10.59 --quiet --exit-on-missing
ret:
4.16
